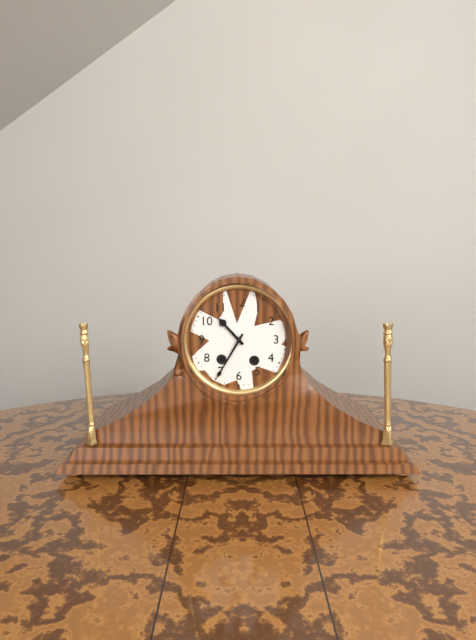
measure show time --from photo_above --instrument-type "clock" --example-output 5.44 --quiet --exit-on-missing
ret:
10.35
